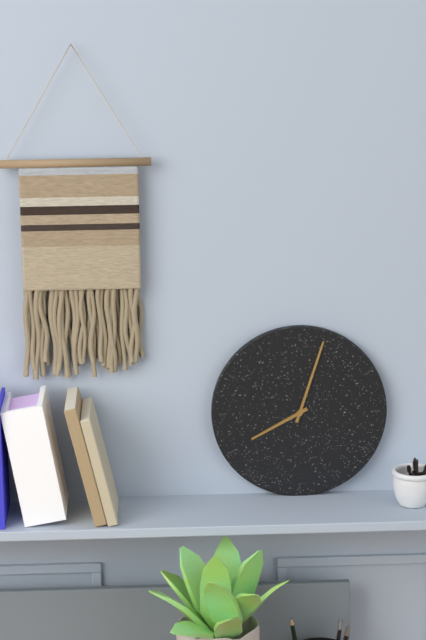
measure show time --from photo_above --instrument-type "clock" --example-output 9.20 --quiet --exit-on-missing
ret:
8.03
